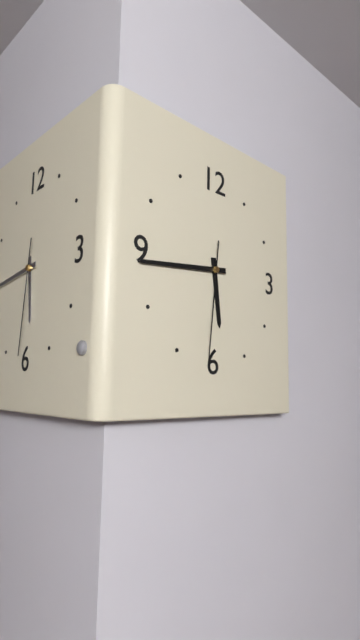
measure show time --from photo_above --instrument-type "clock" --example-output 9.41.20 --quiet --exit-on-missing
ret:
5.44.31
